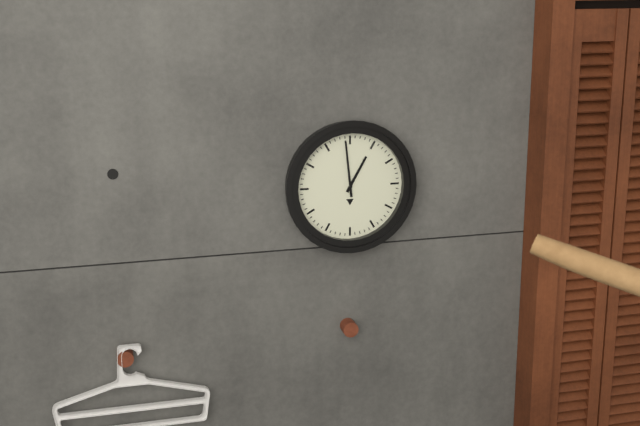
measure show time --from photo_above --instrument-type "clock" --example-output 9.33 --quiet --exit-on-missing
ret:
12.59
